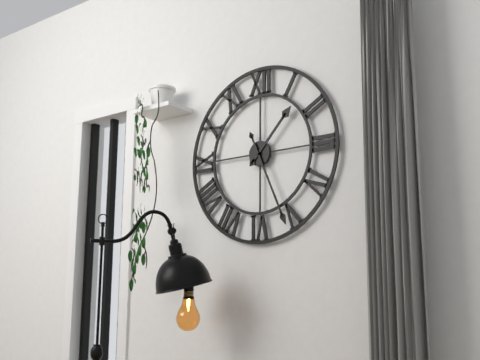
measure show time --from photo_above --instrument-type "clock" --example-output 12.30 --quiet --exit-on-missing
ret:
1.26
